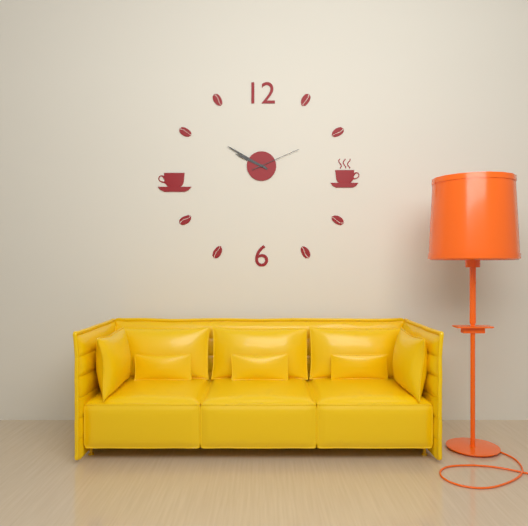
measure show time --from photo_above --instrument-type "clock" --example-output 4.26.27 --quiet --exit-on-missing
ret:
9.50.11
